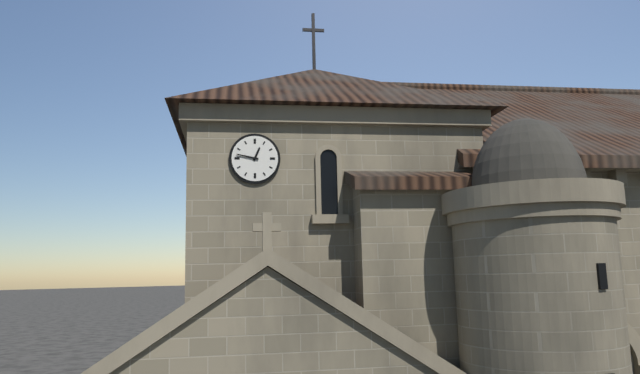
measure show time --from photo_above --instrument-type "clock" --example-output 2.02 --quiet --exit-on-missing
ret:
12.47
